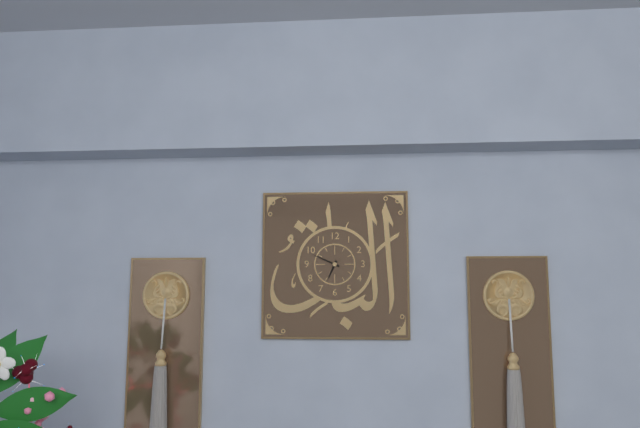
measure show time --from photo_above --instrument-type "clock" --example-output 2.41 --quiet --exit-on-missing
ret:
6.49
